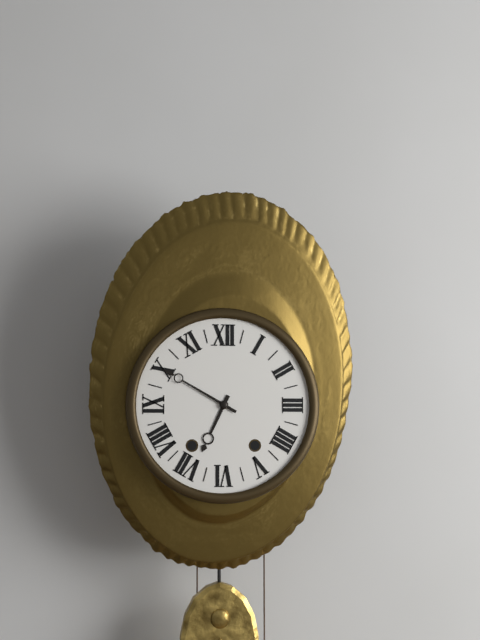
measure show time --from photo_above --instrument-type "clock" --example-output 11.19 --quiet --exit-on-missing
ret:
6.50
